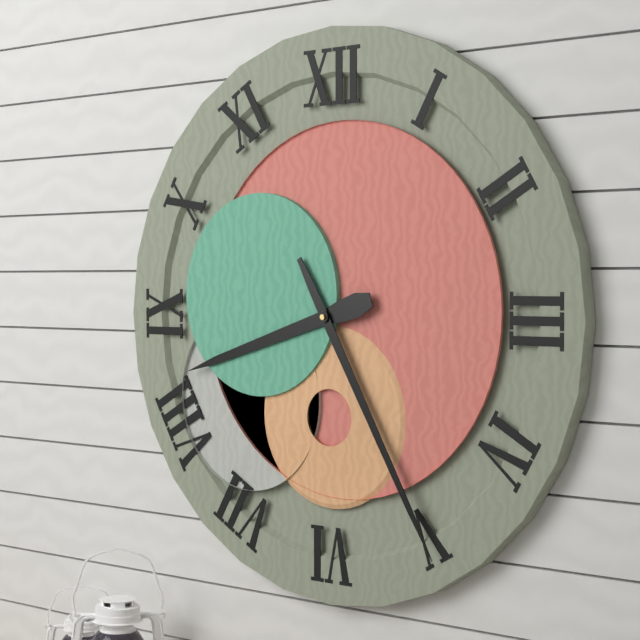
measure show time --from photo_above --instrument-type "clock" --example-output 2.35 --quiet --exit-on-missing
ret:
8.25
